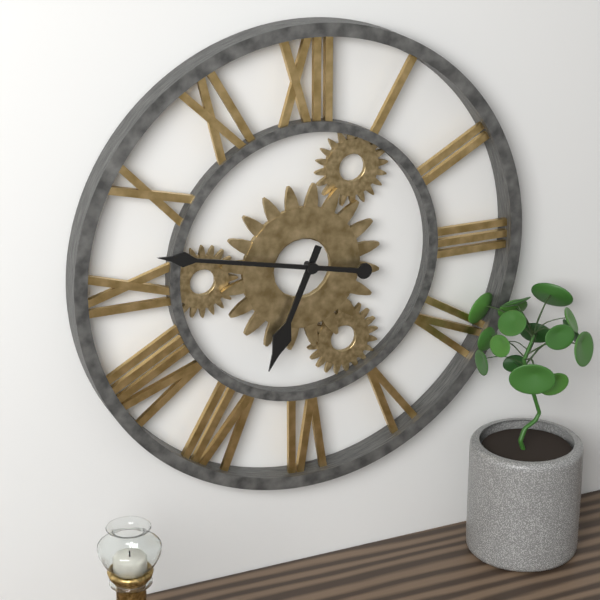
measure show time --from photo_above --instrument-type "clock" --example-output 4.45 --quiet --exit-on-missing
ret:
6.47
